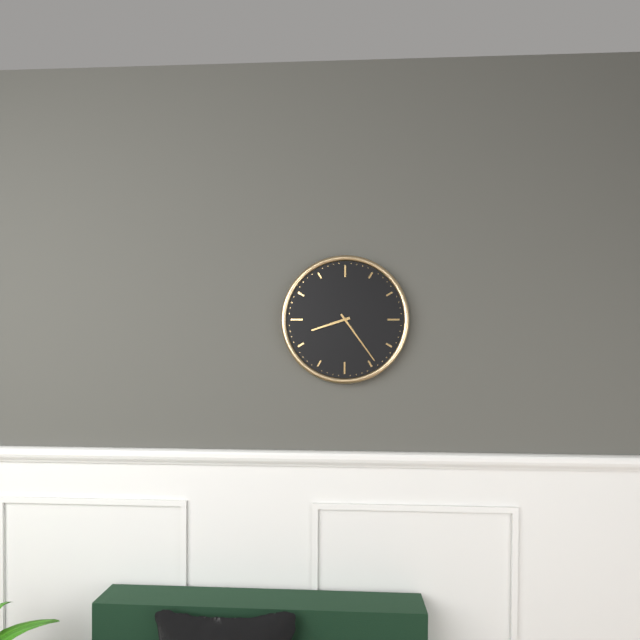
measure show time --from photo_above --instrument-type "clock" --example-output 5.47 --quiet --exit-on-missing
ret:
8.24
